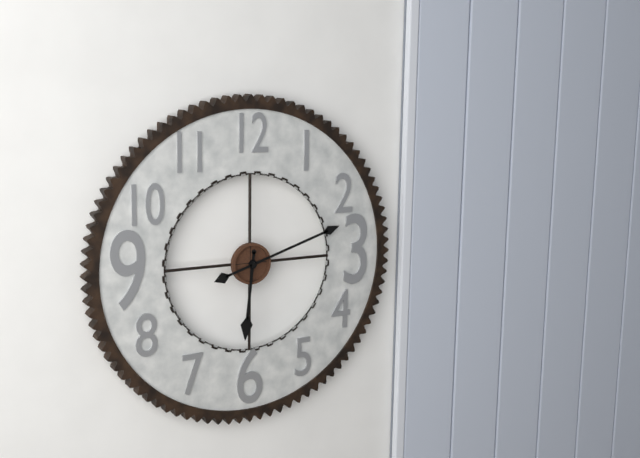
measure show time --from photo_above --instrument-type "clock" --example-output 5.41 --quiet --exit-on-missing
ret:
6.12
